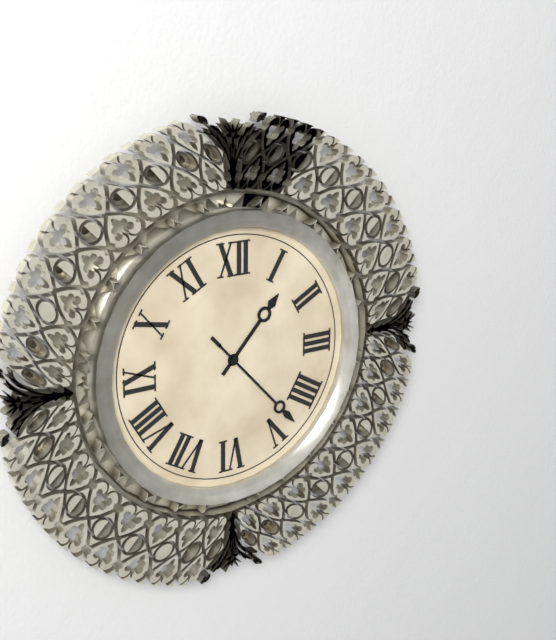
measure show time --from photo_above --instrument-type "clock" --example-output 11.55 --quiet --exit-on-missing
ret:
1.23
